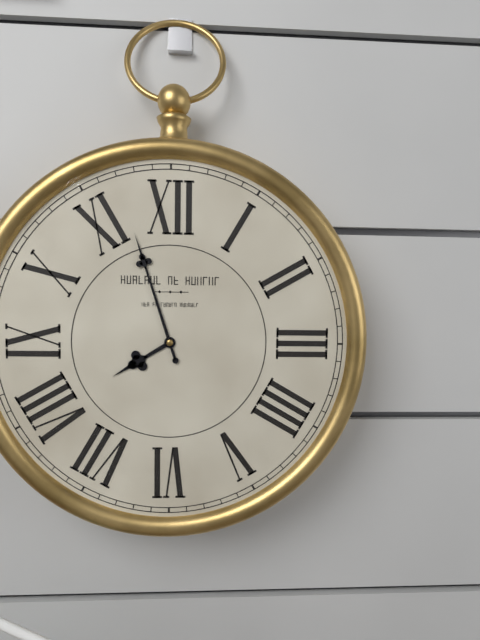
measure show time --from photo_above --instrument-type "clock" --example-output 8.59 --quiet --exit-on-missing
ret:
7.57
